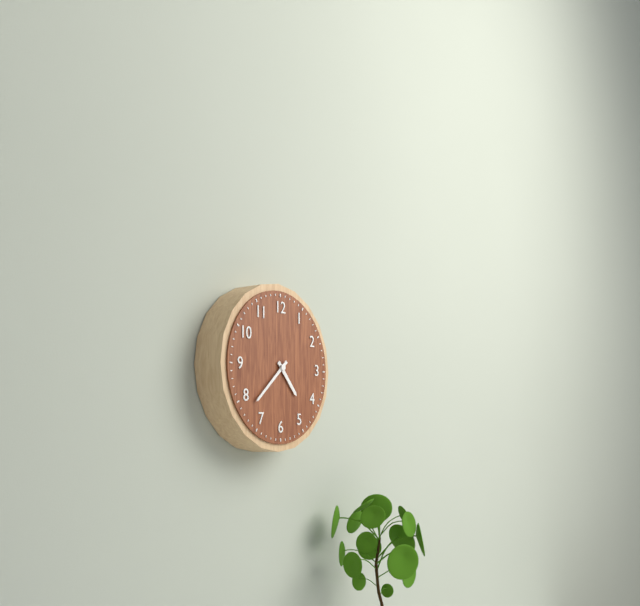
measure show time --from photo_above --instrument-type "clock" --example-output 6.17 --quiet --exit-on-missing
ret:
4.38
